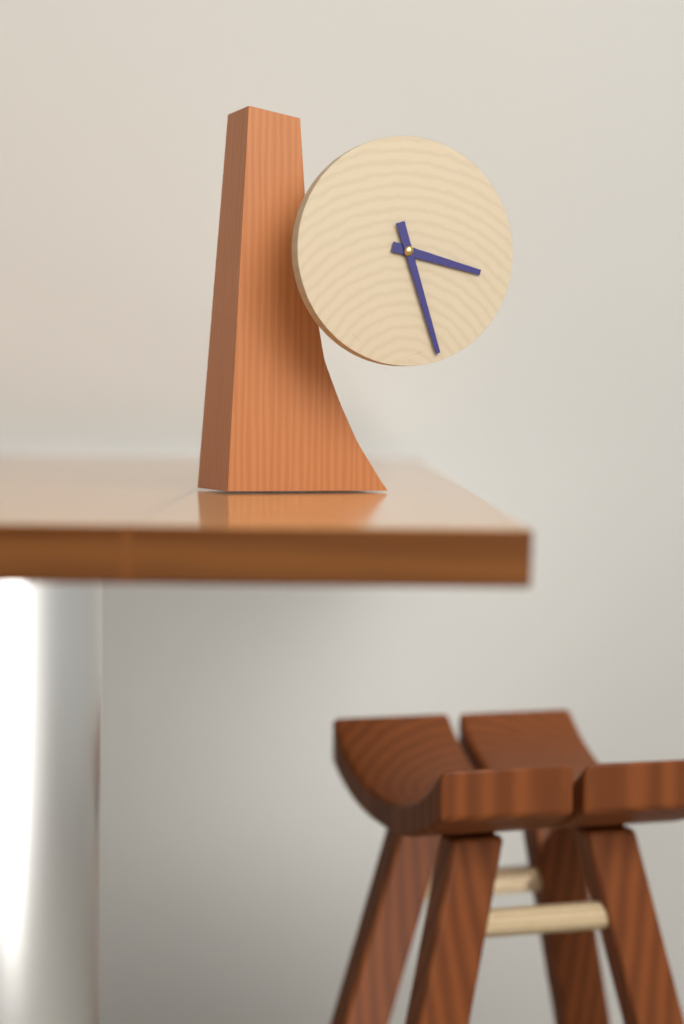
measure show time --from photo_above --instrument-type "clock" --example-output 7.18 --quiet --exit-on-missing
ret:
3.27
